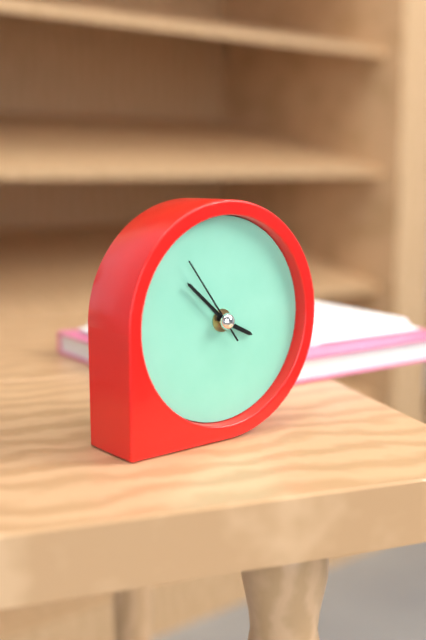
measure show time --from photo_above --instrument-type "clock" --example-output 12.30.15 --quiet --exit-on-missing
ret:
3.52.54
